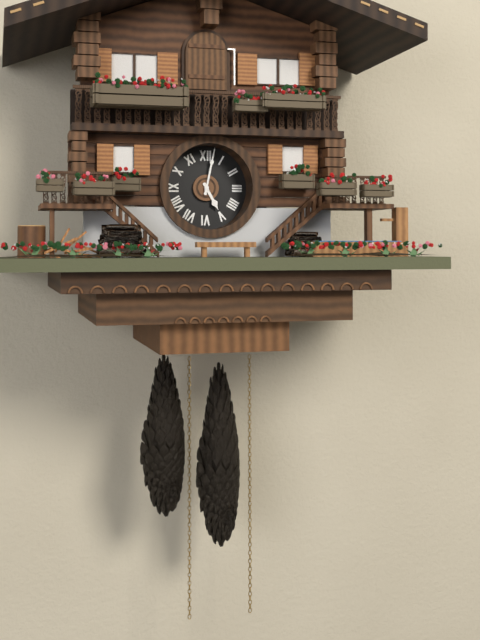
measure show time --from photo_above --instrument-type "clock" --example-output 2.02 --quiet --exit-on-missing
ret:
5.02
